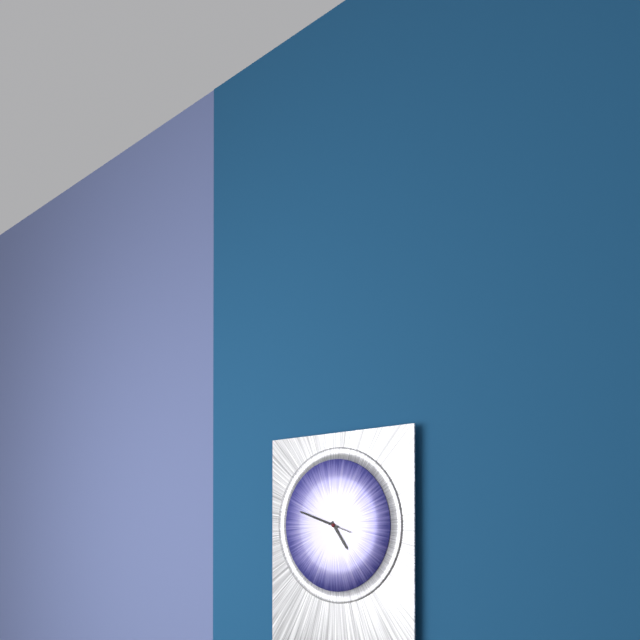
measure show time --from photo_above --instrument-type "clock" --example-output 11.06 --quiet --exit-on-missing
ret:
4.48
